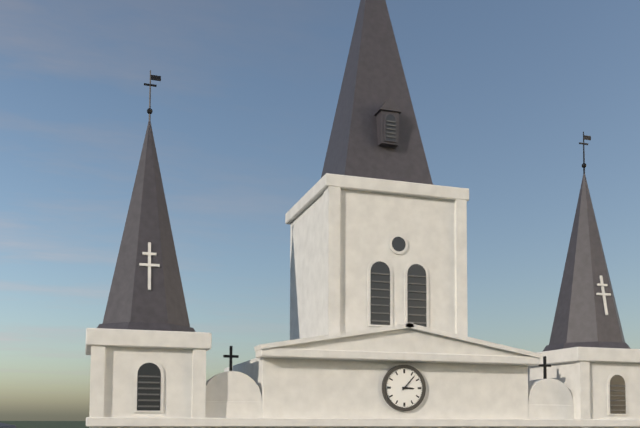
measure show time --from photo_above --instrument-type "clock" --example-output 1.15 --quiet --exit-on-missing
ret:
3.07
